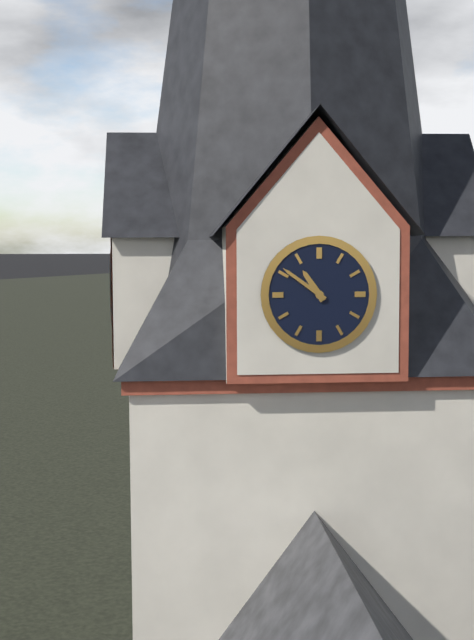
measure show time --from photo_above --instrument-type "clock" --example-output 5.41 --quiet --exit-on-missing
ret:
10.51
